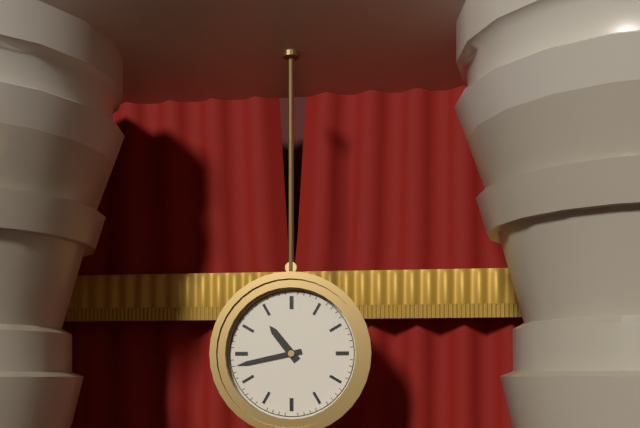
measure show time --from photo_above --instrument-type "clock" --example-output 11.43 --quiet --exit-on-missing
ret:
10.43
